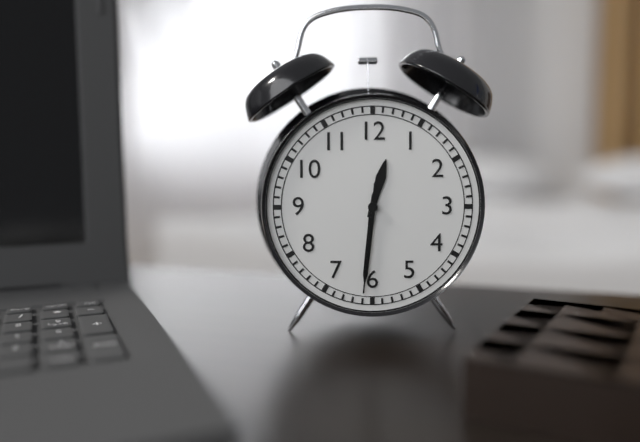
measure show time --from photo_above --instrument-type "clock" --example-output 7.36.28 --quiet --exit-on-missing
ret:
12.31.31
